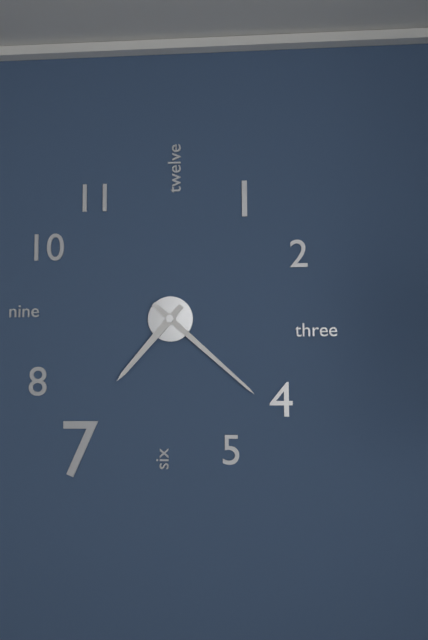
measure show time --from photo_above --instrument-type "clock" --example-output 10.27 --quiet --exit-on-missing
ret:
7.22
